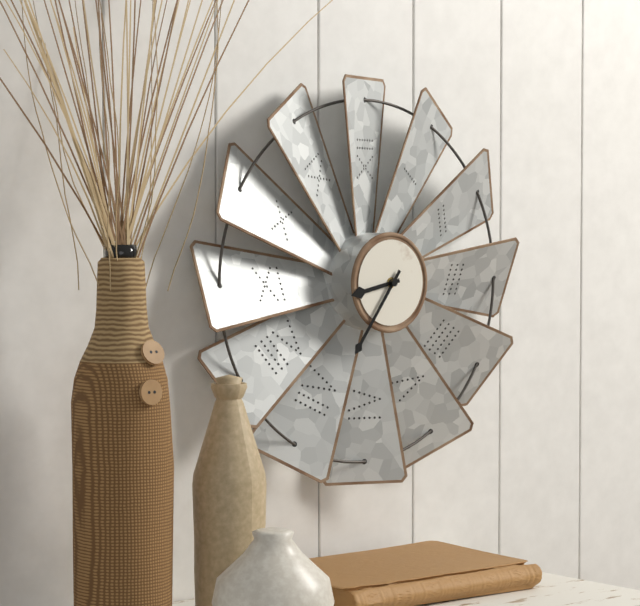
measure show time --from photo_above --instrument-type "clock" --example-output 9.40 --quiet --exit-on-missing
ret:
8.36
